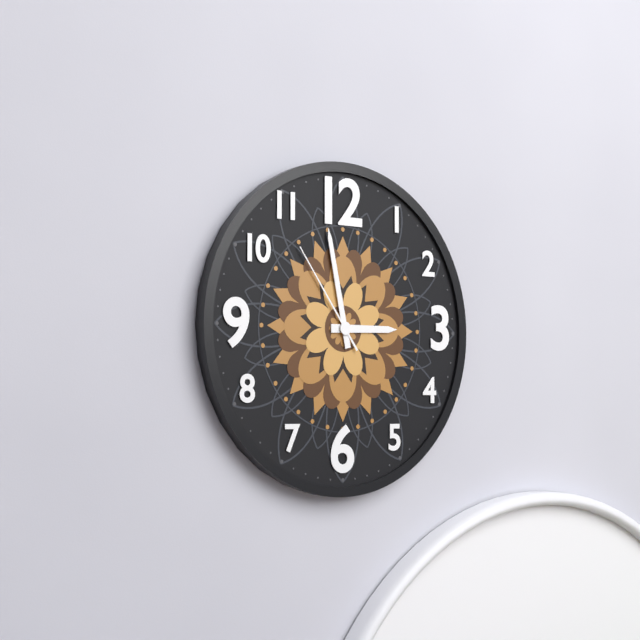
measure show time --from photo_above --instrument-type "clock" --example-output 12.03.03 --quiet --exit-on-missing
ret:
2.58.54
